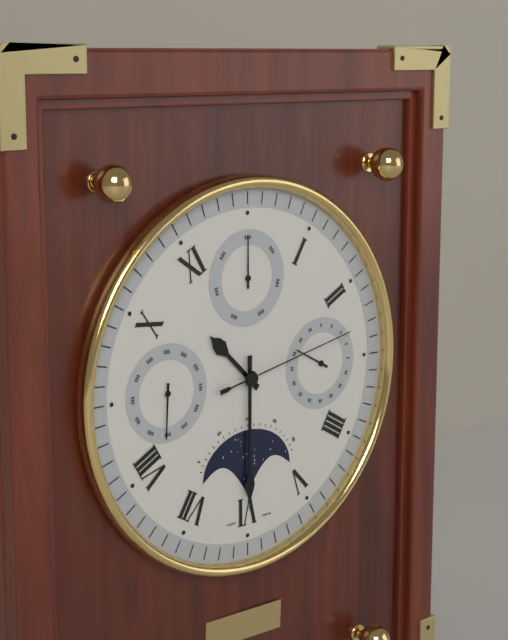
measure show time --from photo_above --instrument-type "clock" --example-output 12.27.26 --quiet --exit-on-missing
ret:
10.30.13
